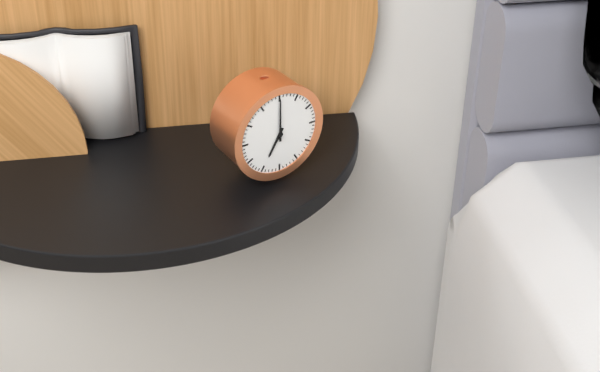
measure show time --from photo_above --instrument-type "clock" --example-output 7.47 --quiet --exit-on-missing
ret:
7.00
